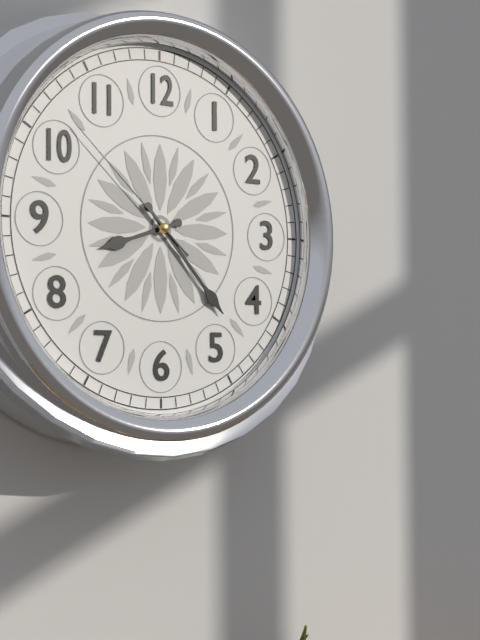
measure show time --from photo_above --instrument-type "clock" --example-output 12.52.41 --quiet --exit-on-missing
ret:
8.23.52
